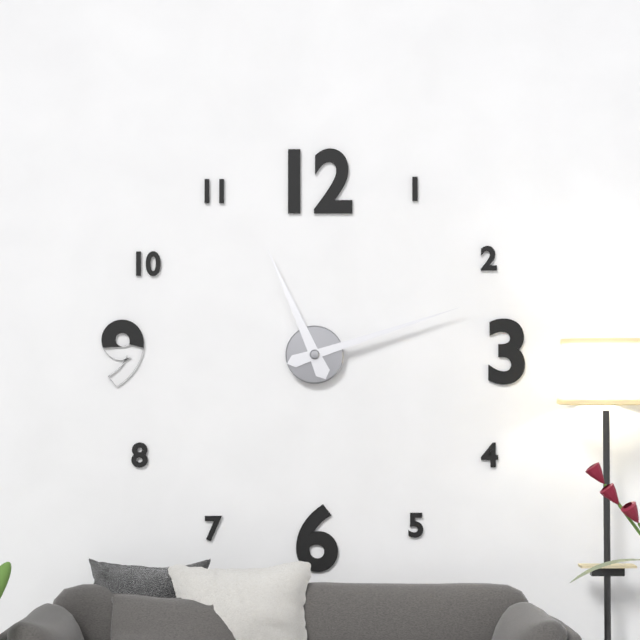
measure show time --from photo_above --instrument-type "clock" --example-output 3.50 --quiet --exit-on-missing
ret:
11.12
